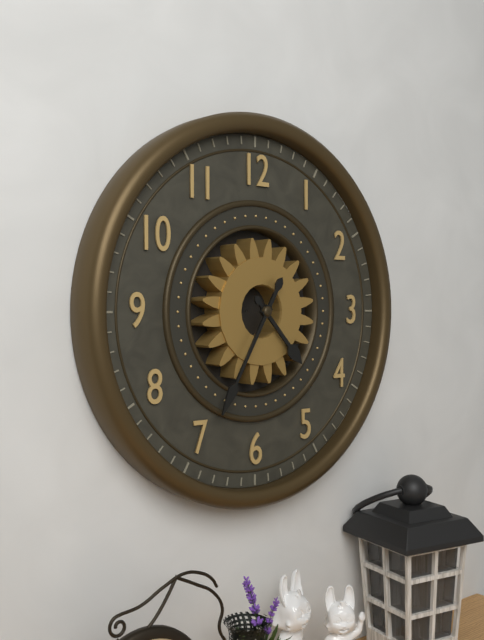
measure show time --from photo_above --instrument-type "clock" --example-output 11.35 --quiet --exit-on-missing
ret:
4.35
